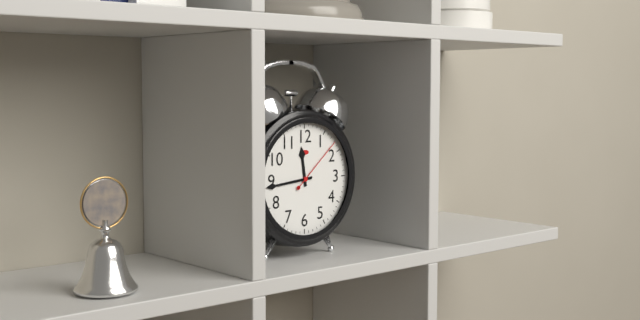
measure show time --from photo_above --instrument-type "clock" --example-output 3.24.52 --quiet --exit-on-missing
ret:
11.44.08
